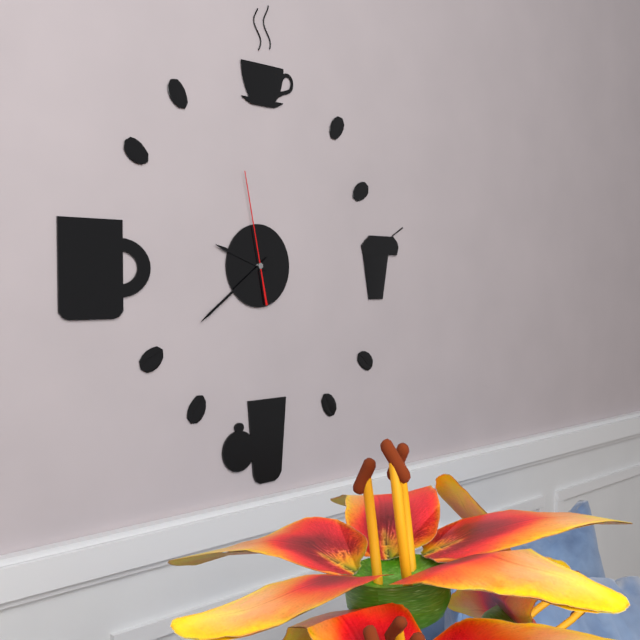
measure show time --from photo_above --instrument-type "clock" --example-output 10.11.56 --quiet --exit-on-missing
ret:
9.39.58
